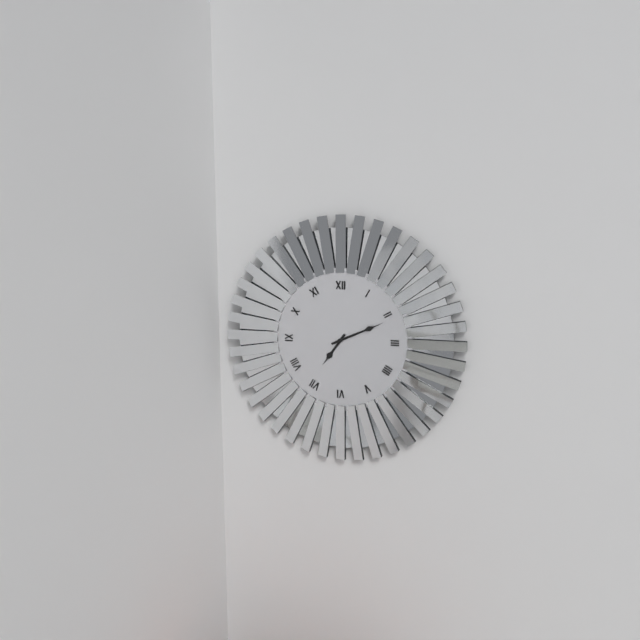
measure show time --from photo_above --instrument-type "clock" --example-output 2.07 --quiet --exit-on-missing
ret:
7.11
